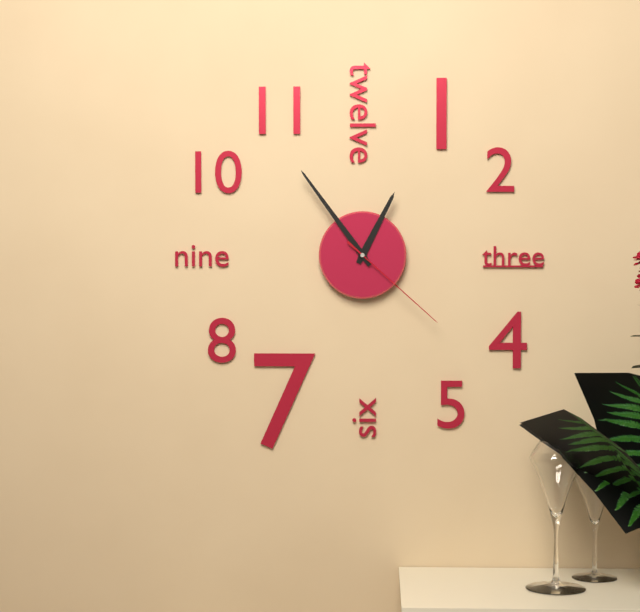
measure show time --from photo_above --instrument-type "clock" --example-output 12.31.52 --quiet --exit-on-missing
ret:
12.54.22
